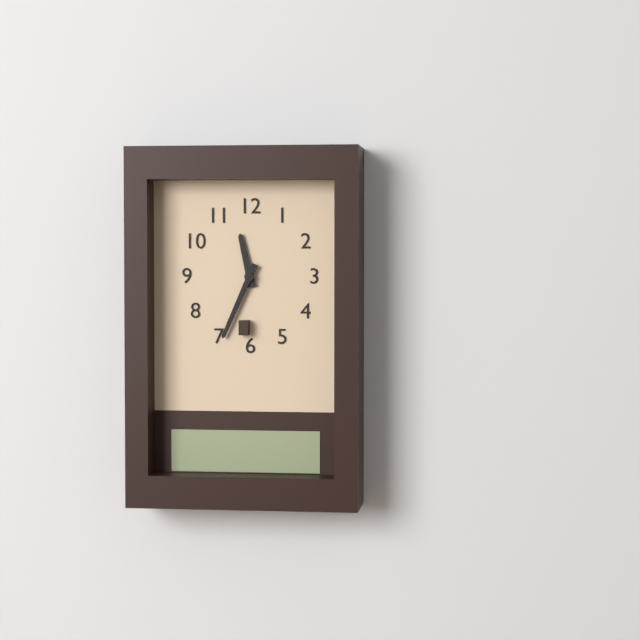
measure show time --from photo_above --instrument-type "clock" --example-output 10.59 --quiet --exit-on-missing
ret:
11.34
